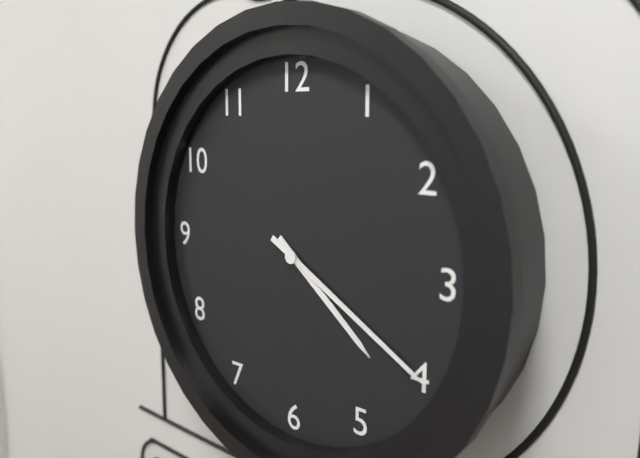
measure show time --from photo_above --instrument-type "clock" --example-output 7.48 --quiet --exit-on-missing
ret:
4.20
